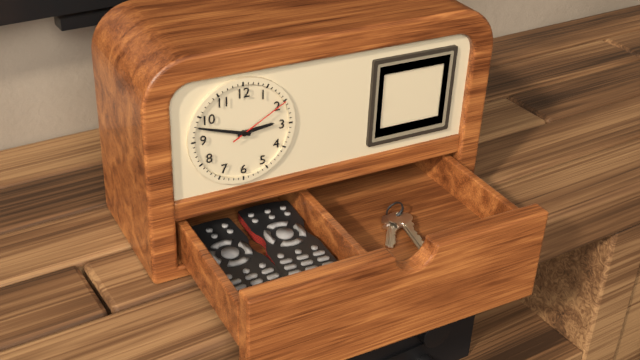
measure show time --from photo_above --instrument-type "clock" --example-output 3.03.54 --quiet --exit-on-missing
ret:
2.48.10
